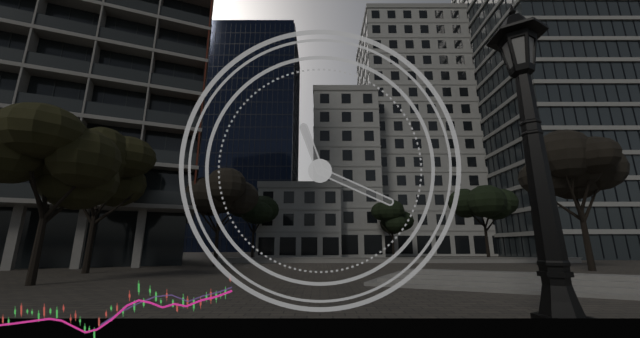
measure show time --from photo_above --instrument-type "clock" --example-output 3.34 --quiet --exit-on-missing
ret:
11.19
